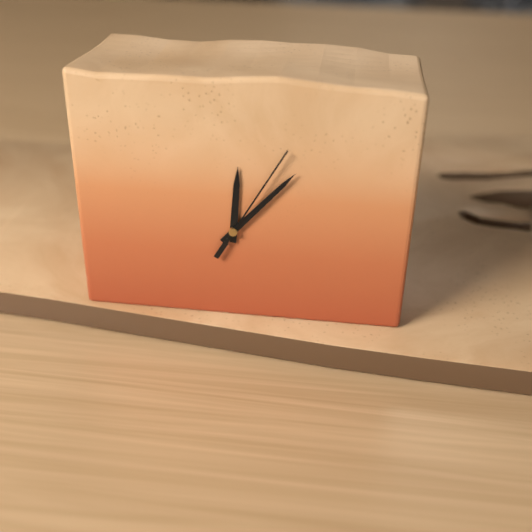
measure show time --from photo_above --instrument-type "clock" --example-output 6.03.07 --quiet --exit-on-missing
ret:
12.07.05
